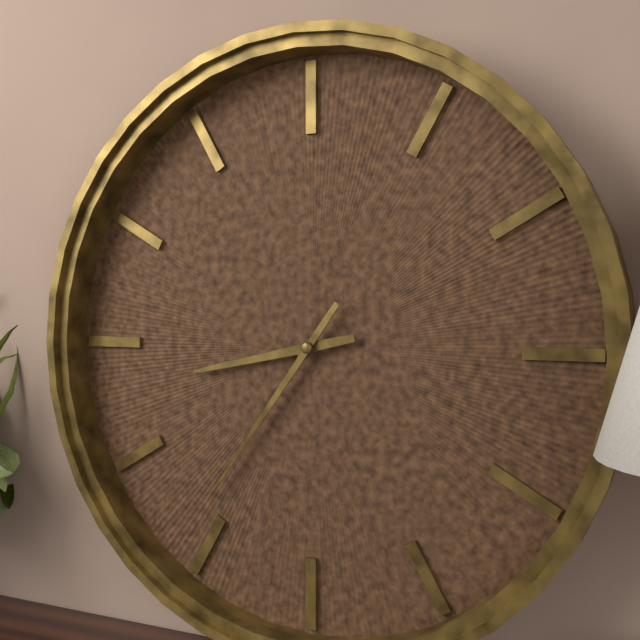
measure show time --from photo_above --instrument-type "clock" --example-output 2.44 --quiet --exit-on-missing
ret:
8.36
